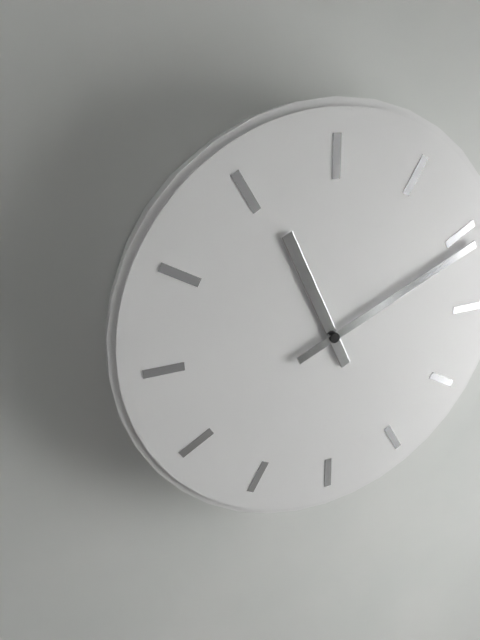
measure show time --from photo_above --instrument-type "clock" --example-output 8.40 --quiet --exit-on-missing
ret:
11.11
